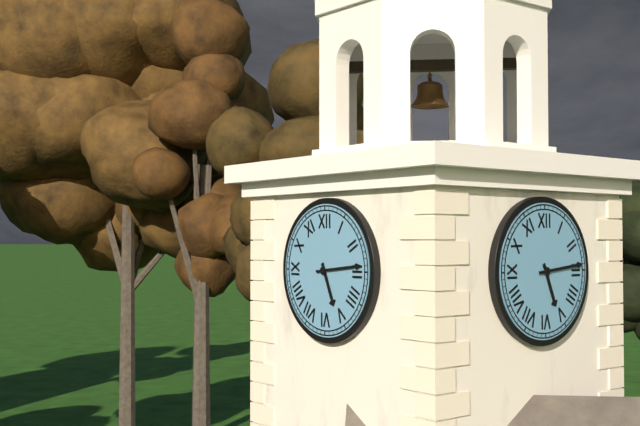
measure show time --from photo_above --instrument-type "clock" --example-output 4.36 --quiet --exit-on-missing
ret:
5.14
